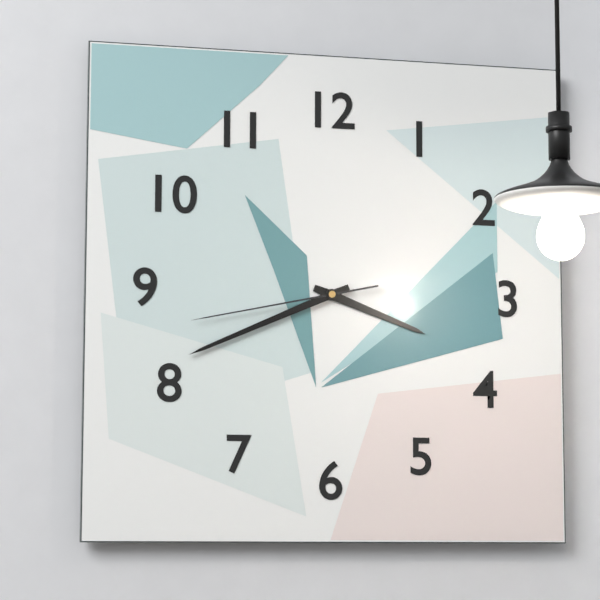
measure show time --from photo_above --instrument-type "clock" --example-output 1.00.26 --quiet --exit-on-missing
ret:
3.41.43
